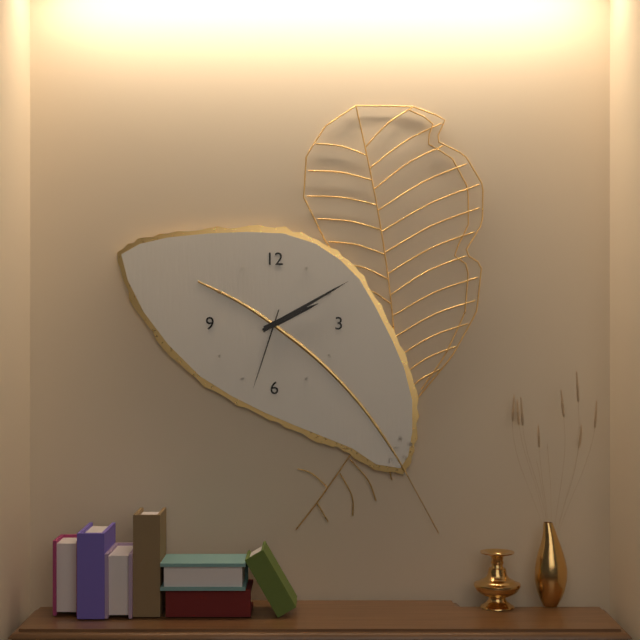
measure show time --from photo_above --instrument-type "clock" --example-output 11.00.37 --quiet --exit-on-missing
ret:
2.10.33
